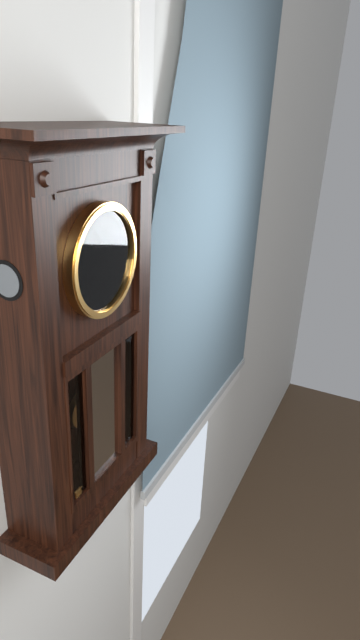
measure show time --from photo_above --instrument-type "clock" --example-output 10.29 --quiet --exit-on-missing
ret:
1.33
